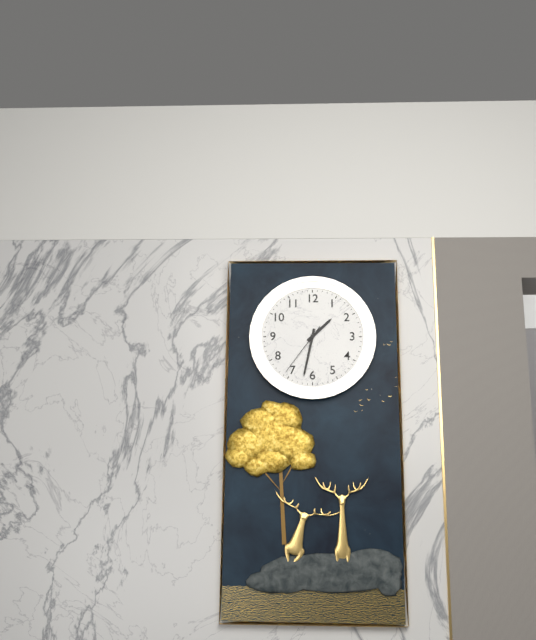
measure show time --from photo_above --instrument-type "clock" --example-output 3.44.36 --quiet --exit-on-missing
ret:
1.32.36
